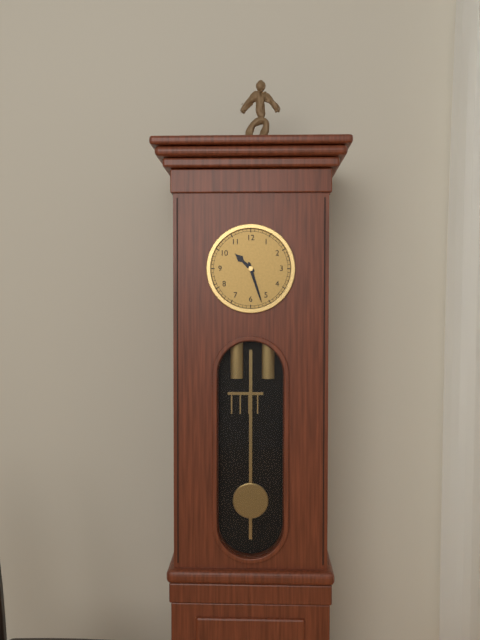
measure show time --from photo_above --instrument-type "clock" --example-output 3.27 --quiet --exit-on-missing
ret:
10.27
